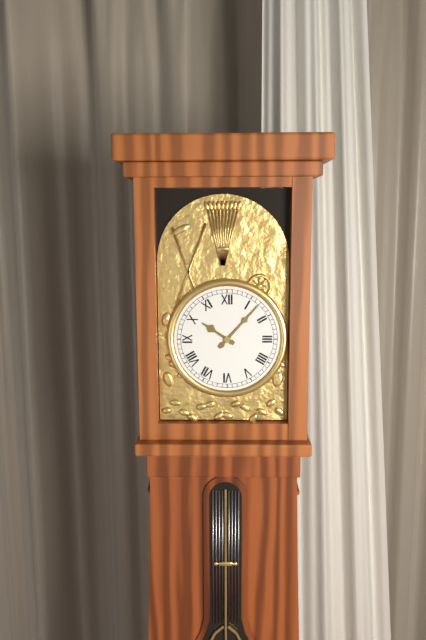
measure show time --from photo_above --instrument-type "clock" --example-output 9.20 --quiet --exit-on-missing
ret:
10.07
